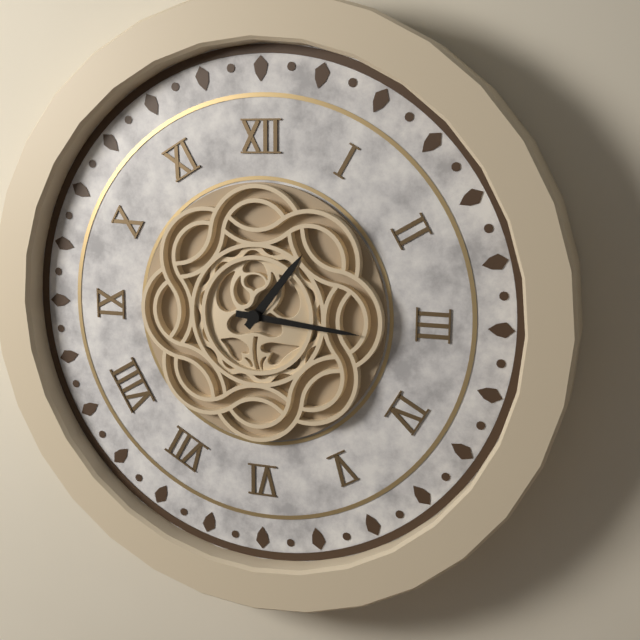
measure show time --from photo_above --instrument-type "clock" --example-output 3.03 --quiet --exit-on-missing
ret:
1.16
